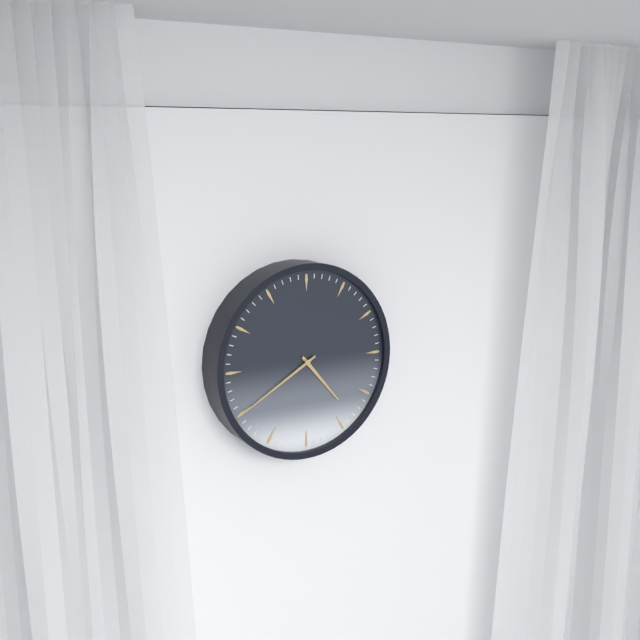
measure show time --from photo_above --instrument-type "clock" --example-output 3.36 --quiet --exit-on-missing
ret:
4.40
